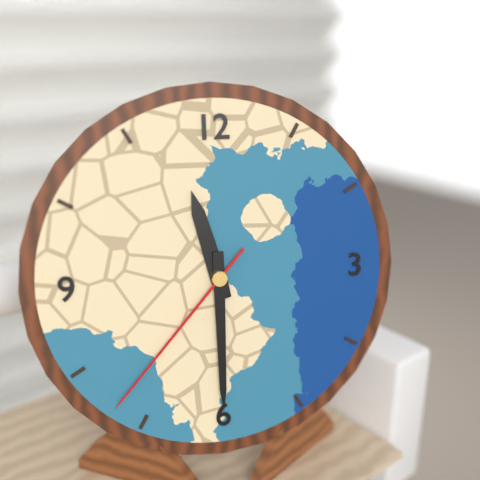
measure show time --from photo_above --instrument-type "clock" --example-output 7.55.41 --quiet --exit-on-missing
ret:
11.30.37
